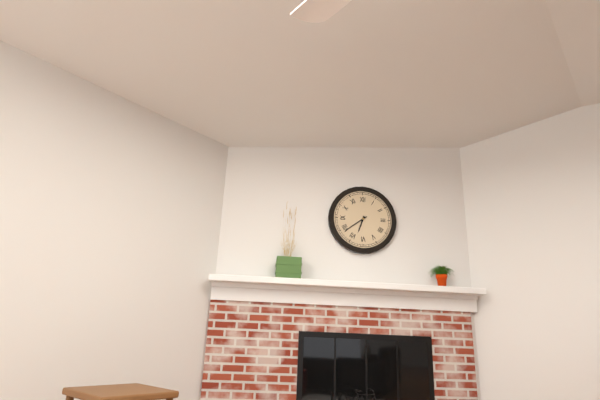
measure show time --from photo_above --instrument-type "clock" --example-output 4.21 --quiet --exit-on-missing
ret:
6.39
